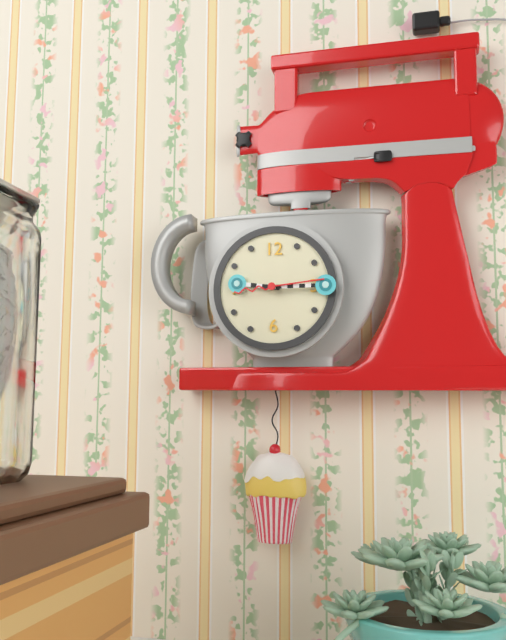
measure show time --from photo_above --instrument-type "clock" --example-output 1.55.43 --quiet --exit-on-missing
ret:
9.15.14
